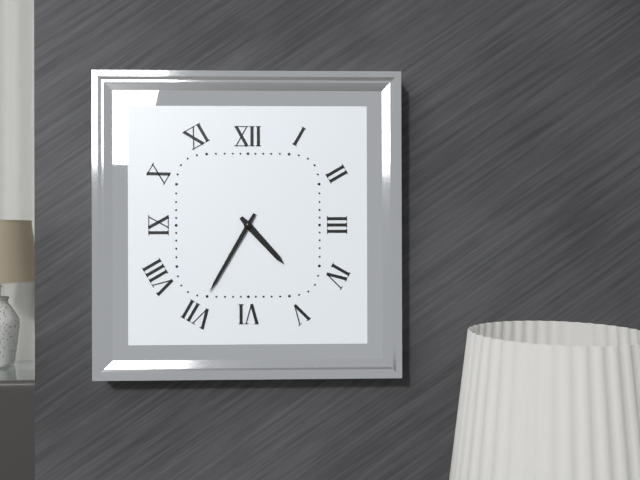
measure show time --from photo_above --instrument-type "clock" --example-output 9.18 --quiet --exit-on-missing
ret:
4.35
